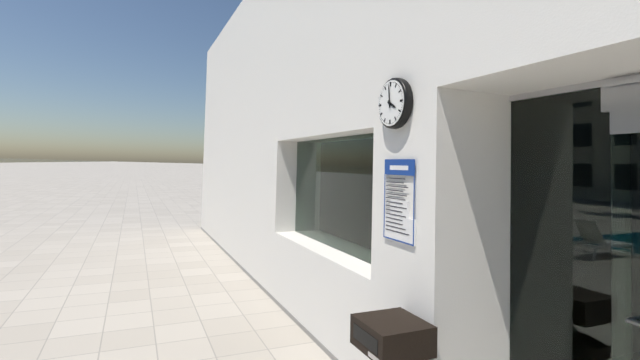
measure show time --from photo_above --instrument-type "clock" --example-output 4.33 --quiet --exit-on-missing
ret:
3.59
